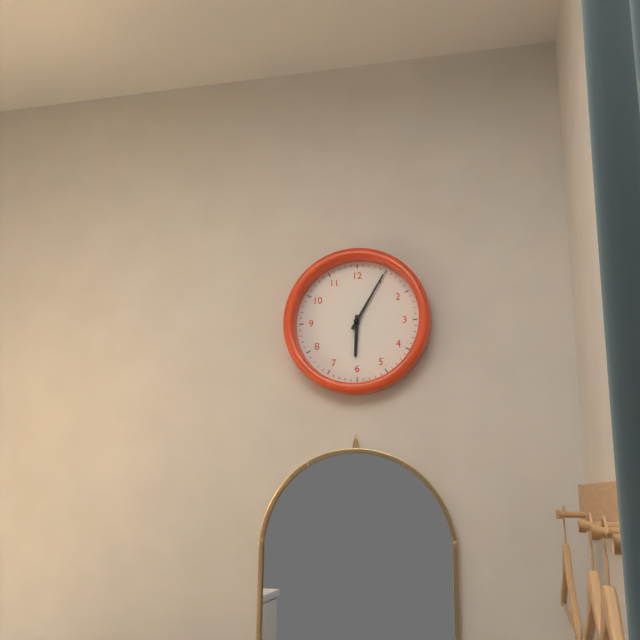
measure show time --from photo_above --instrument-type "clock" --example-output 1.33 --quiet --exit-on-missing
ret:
6.05
